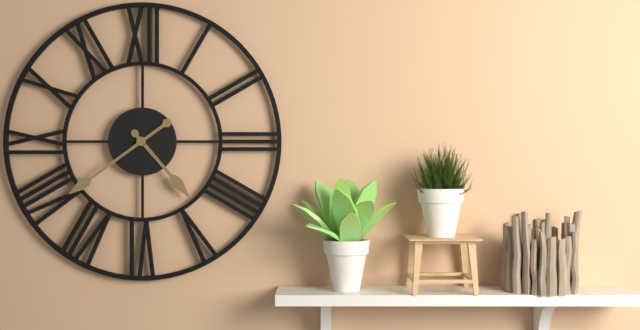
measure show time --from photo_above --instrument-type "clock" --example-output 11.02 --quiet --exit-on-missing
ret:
4.39
